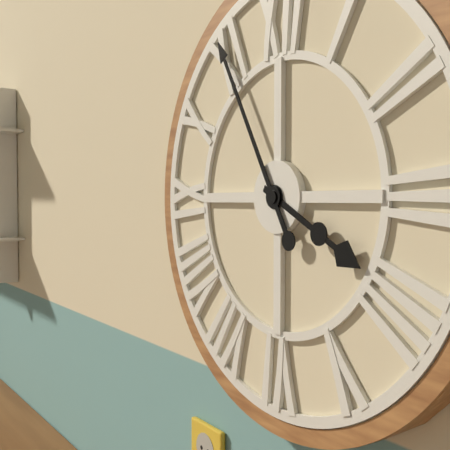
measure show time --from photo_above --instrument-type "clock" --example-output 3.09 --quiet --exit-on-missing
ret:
3.55
